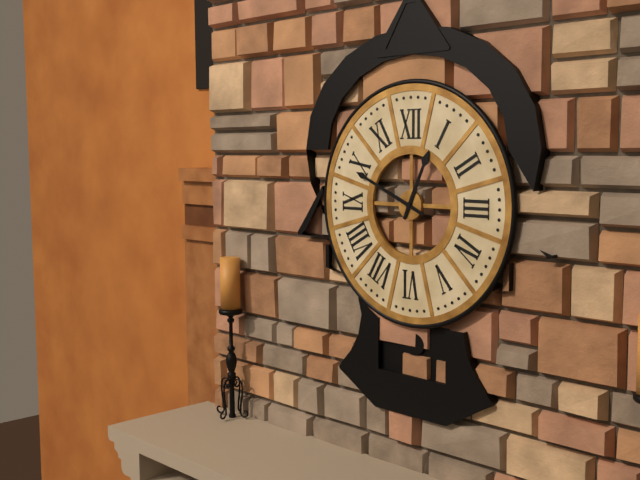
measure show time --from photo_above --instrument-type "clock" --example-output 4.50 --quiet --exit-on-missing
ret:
12.49
